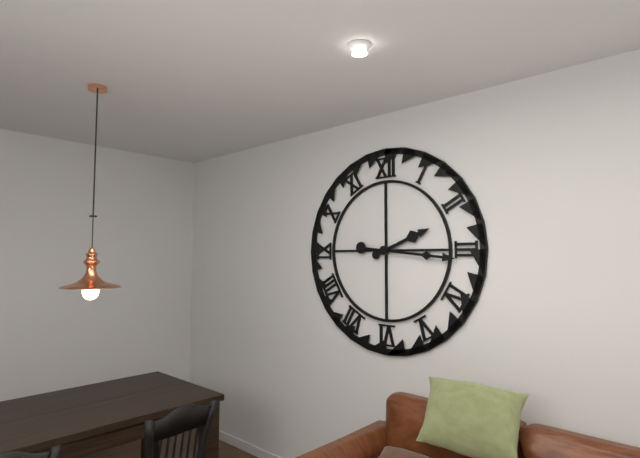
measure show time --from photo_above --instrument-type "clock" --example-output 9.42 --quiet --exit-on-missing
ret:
2.16
